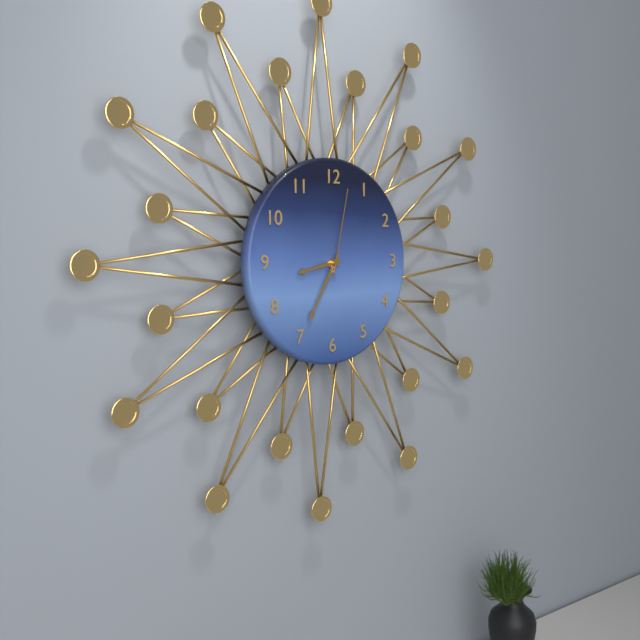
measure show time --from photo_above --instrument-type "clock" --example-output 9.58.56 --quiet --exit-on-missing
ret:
8.35.02
